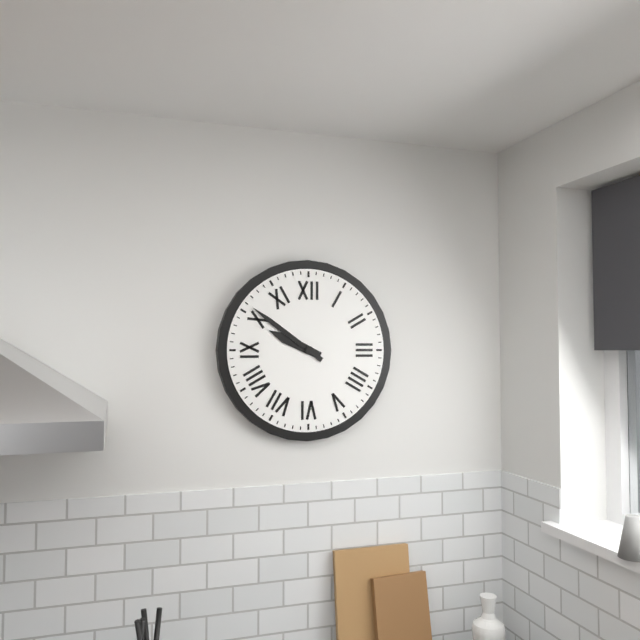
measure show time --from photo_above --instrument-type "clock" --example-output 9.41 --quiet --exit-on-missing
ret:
9.51
